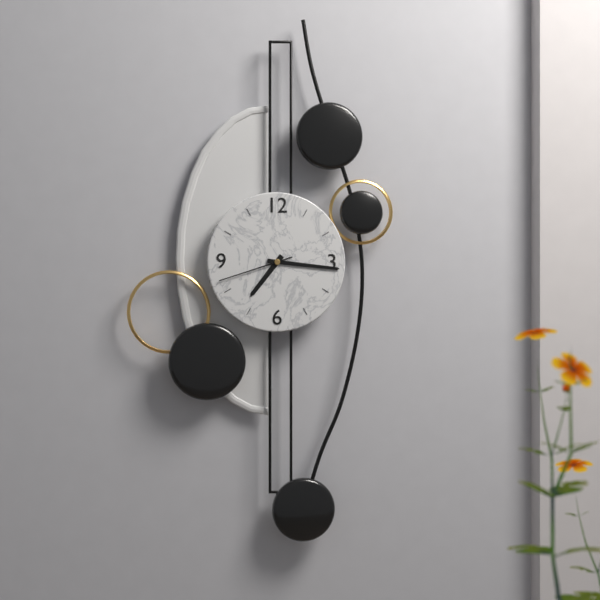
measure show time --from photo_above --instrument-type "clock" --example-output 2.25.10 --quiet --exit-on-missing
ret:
7.16.42
